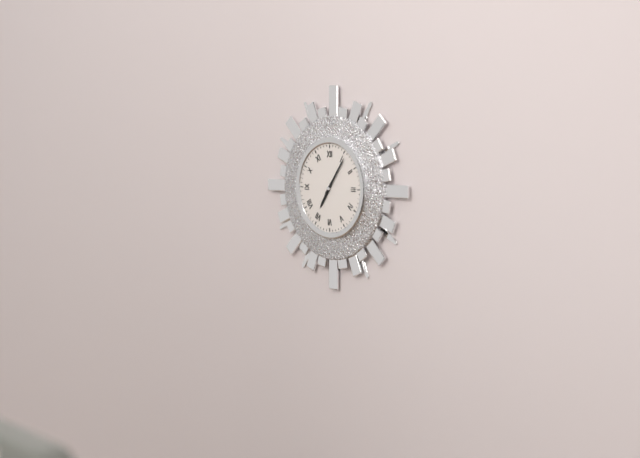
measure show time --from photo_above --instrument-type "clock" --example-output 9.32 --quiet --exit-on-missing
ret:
7.06
